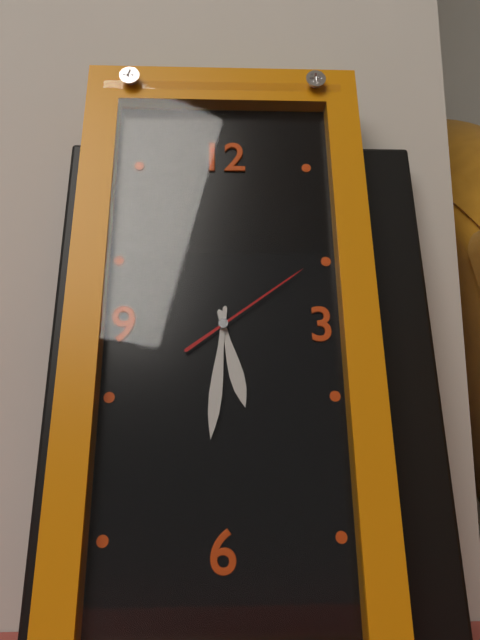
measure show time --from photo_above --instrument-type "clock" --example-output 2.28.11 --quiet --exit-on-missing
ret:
5.31.09
